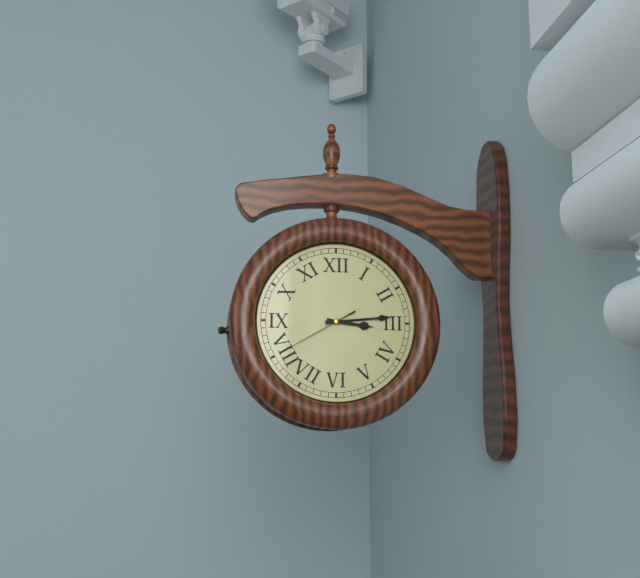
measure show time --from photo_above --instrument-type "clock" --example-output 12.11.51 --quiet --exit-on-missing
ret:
3.14.40
